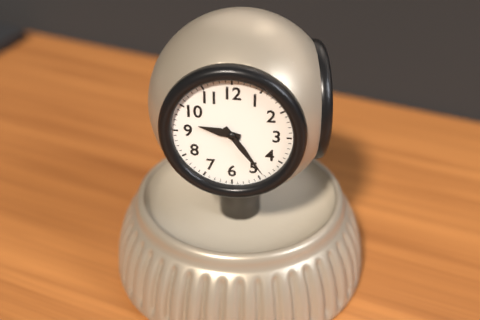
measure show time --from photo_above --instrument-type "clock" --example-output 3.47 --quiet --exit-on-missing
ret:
9.24
